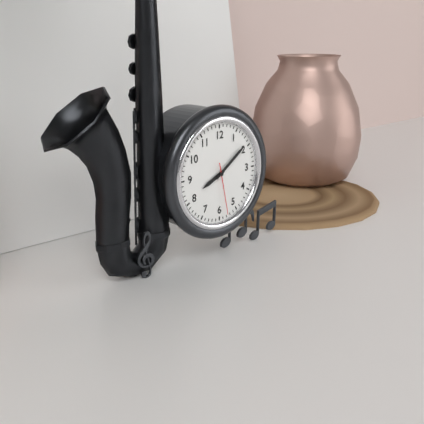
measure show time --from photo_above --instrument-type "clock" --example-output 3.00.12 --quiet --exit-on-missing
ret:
8.09.28
